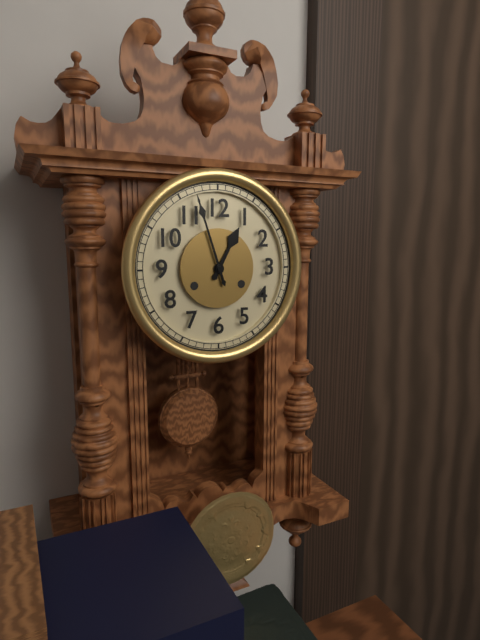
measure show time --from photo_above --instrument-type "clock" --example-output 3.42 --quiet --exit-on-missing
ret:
12.57
